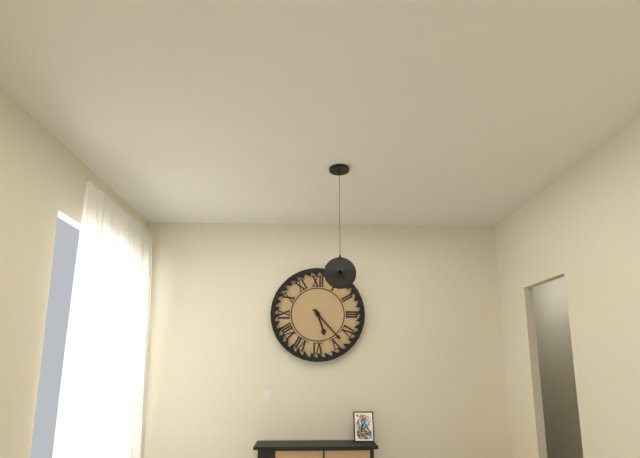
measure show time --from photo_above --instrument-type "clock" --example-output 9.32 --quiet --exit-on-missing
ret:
5.23
